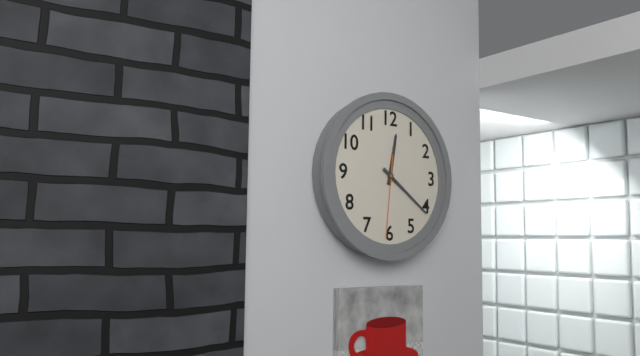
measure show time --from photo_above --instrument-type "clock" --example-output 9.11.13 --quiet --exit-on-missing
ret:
12.21.31
